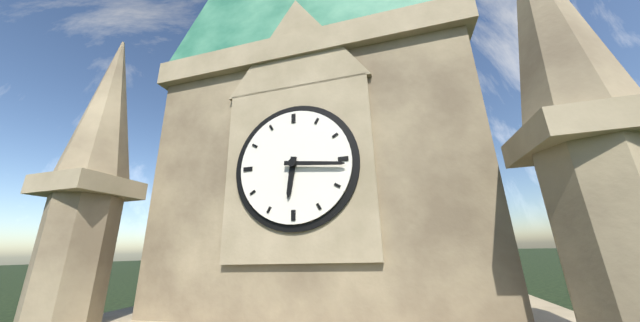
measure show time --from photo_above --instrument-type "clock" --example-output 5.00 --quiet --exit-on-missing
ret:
6.16
